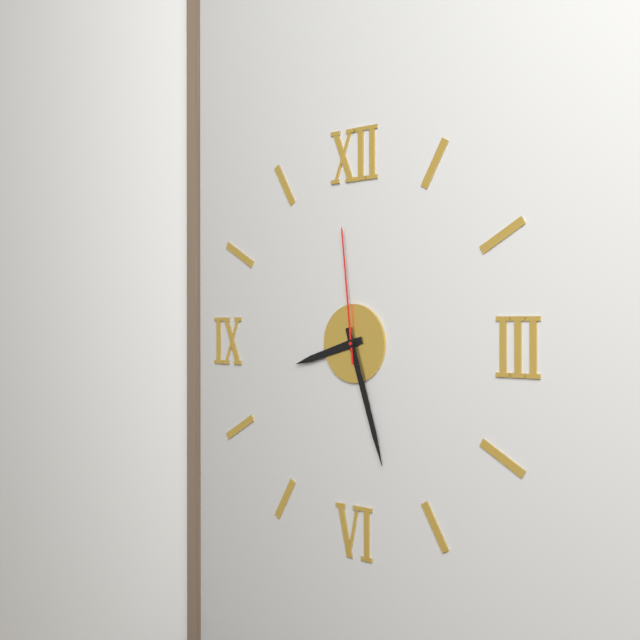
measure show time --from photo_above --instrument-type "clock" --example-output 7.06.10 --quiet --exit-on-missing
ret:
8.27.59
